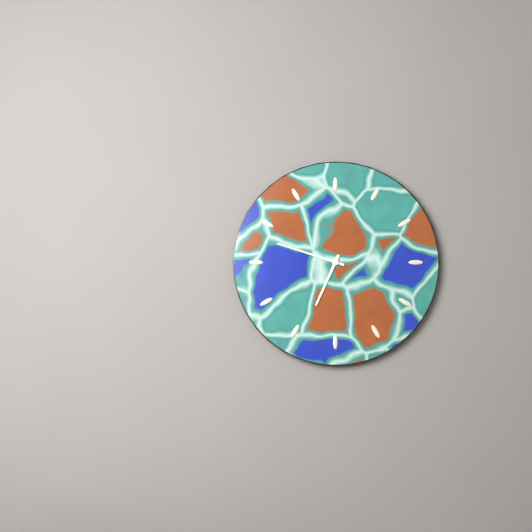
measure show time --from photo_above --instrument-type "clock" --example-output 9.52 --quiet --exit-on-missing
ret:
6.48
